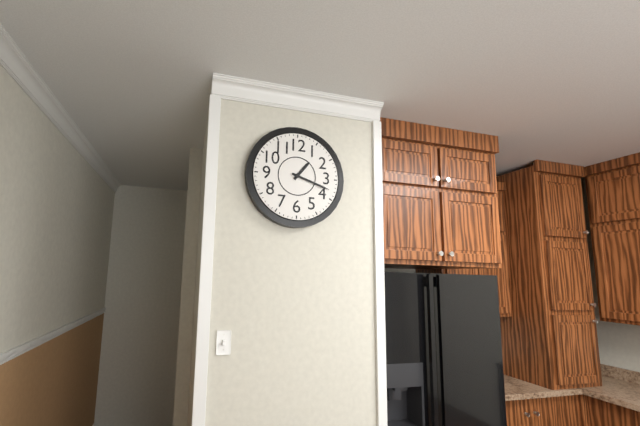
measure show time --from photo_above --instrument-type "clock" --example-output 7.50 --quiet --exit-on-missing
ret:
1.18
